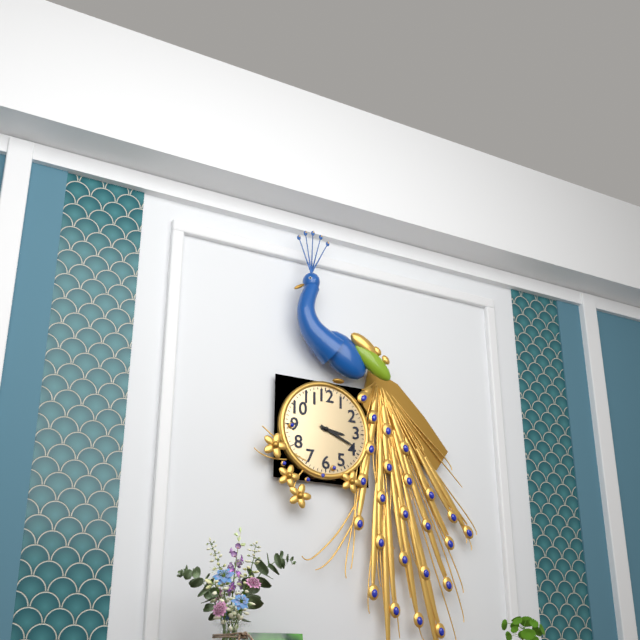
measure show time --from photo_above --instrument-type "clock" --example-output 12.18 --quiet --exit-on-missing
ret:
3.19
